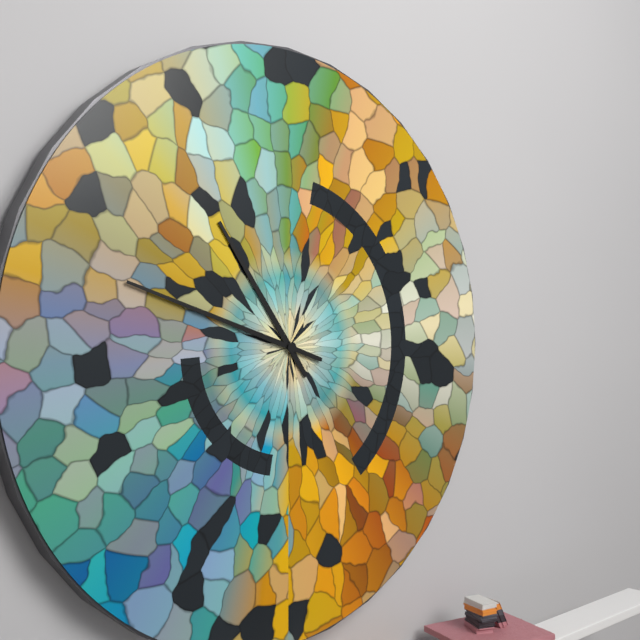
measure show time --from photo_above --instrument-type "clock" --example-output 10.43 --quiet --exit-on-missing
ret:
10.48
